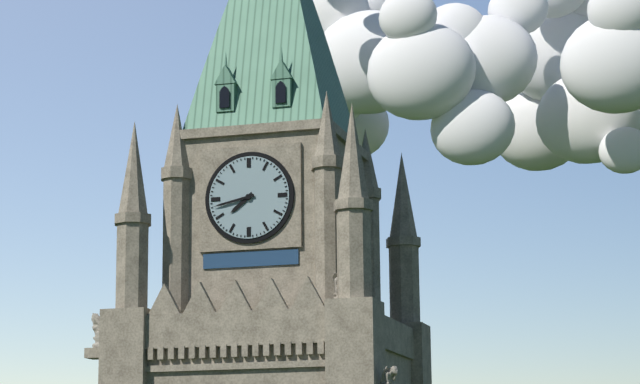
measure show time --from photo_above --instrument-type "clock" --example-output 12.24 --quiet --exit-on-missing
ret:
7.43
